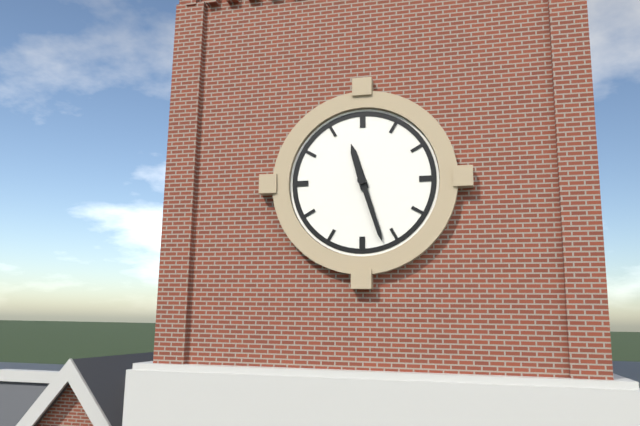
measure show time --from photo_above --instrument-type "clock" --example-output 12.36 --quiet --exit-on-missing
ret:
11.27
